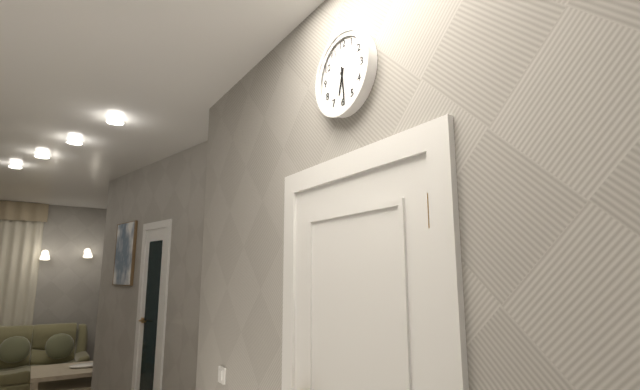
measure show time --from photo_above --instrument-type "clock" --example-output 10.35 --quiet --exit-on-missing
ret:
6.29
